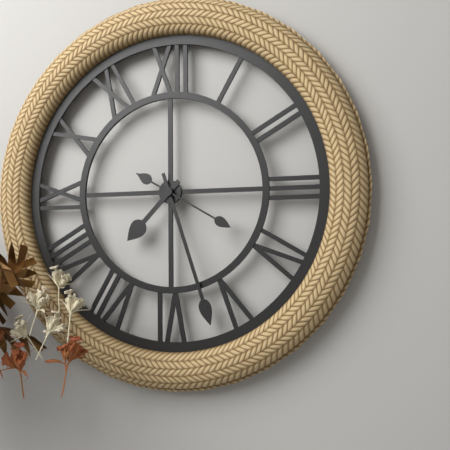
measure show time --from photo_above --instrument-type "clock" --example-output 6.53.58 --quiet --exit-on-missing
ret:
7.27.20
